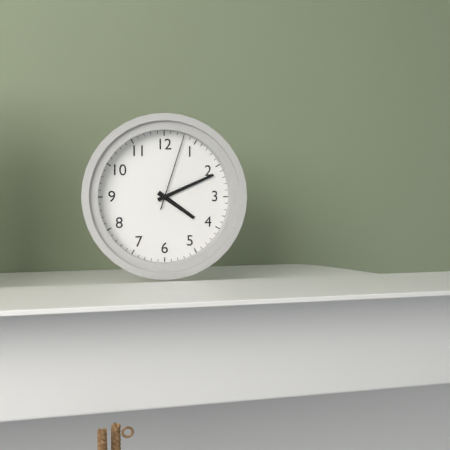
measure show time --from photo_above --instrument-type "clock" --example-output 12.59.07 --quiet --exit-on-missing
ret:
4.11.03
